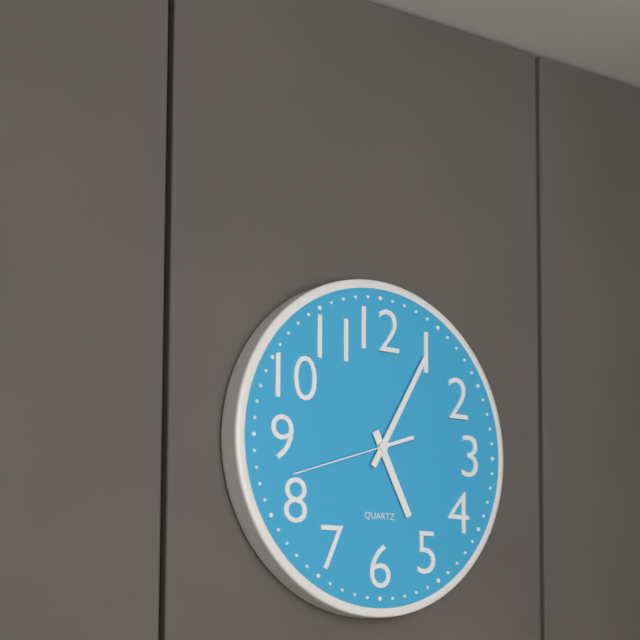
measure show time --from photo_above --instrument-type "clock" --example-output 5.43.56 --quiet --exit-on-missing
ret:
5.05.42
